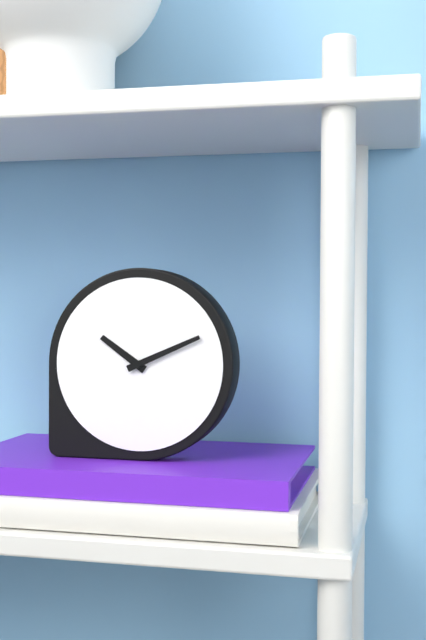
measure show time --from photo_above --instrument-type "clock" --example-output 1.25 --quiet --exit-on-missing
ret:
10.11
